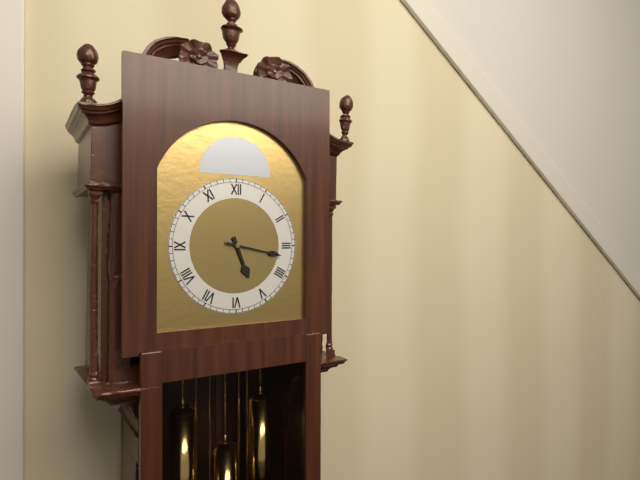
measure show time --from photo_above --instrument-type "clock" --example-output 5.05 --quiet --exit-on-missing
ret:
5.17
